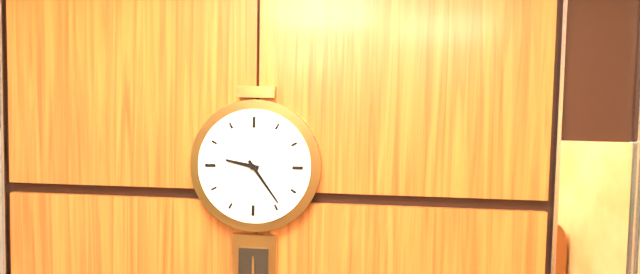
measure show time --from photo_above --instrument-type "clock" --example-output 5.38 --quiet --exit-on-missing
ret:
9.24
